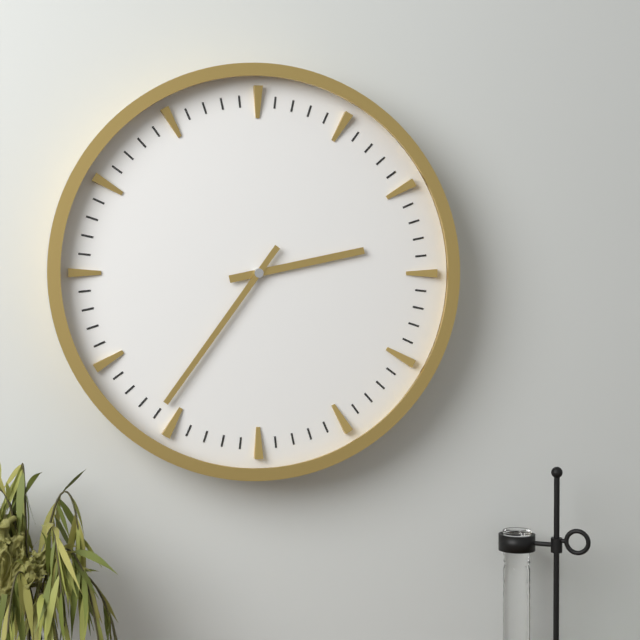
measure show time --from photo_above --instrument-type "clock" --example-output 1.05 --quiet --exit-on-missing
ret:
2.36
